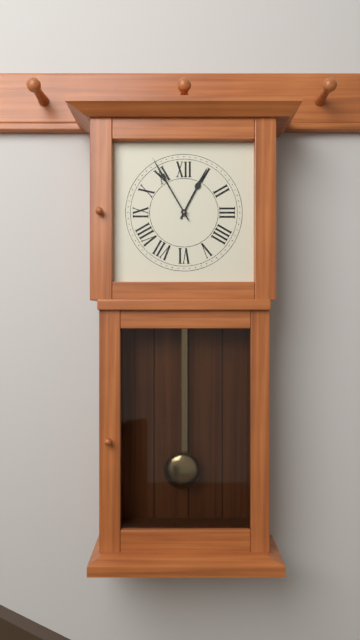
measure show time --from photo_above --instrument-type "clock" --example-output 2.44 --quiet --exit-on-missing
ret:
12.55
